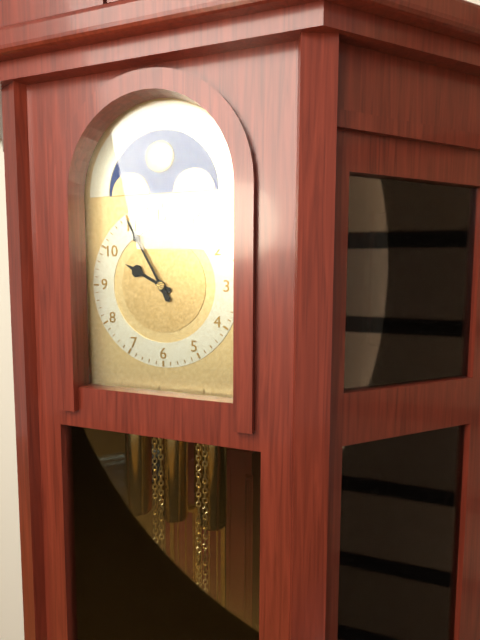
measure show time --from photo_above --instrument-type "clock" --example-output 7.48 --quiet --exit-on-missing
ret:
9.55
